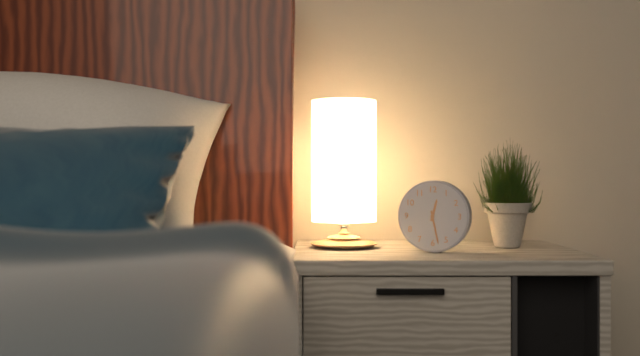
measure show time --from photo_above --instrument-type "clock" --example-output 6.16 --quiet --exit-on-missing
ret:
12.28
